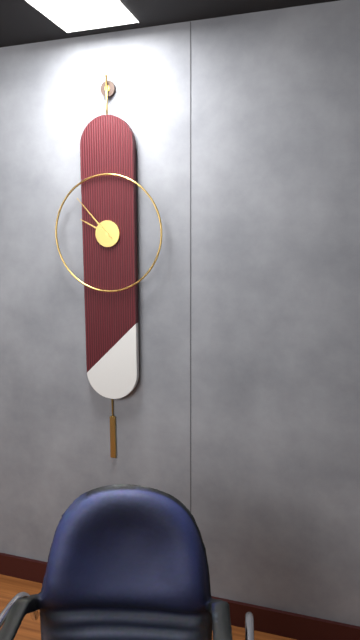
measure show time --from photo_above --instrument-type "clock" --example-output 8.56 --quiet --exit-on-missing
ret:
9.53
